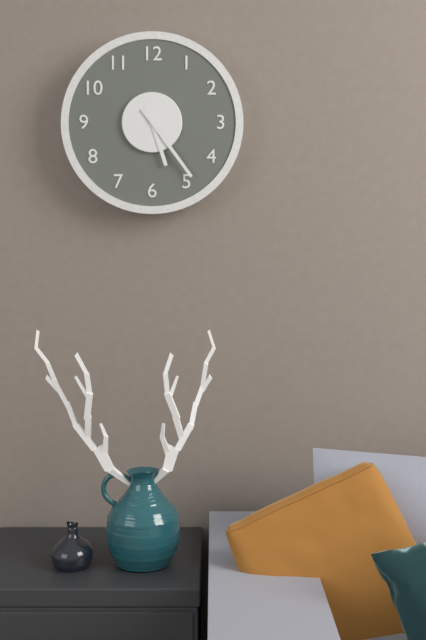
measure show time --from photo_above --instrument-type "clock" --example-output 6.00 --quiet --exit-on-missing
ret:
5.24
